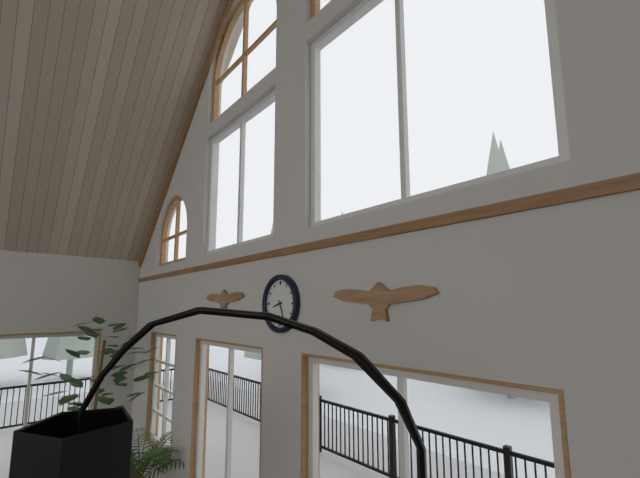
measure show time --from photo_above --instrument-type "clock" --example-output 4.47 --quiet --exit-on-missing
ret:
8.26
